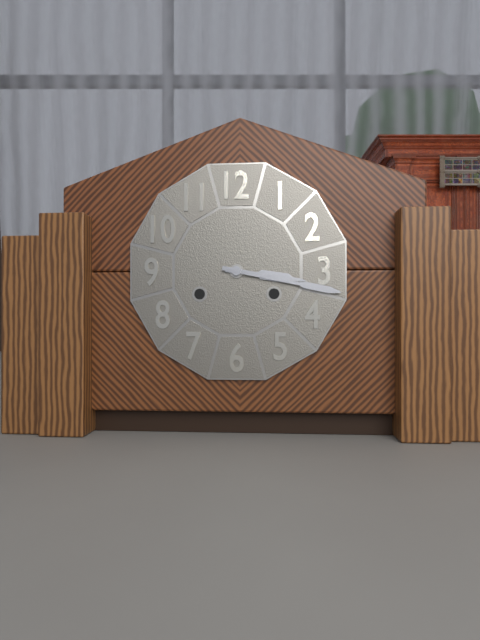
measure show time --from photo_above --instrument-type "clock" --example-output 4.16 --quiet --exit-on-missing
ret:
3.17
